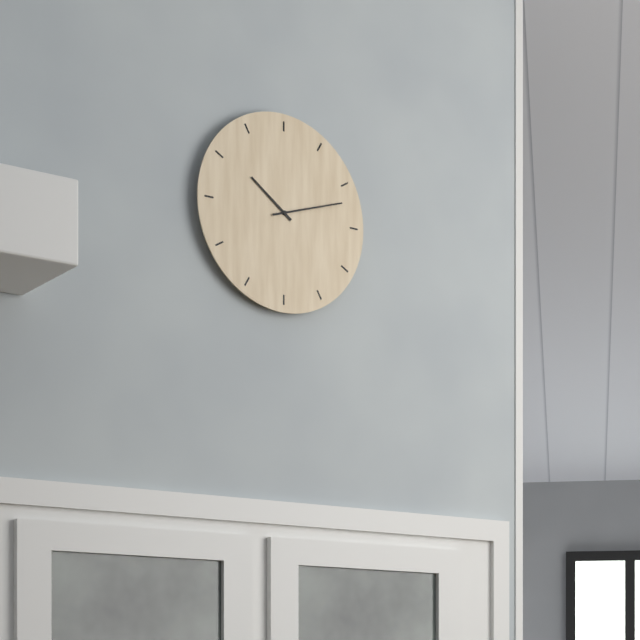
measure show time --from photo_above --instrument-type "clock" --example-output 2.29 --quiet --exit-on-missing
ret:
10.12
